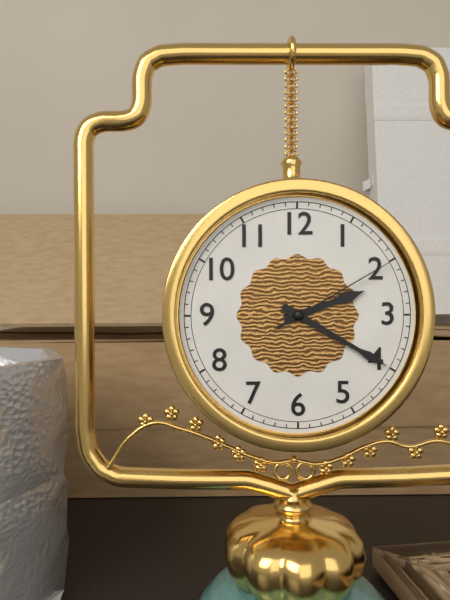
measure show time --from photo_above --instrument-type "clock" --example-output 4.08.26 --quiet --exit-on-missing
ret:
2.20.10
